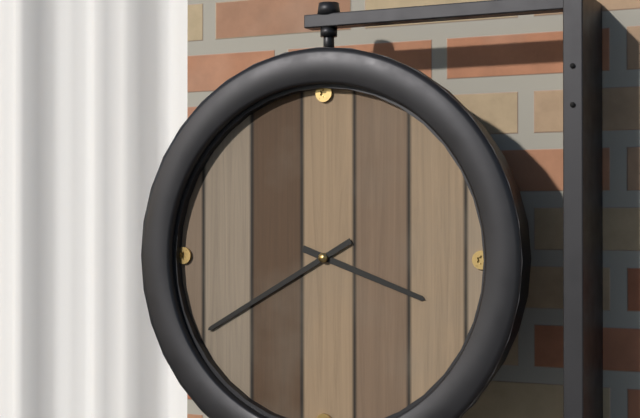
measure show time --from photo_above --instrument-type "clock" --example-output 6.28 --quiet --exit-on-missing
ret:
3.40
